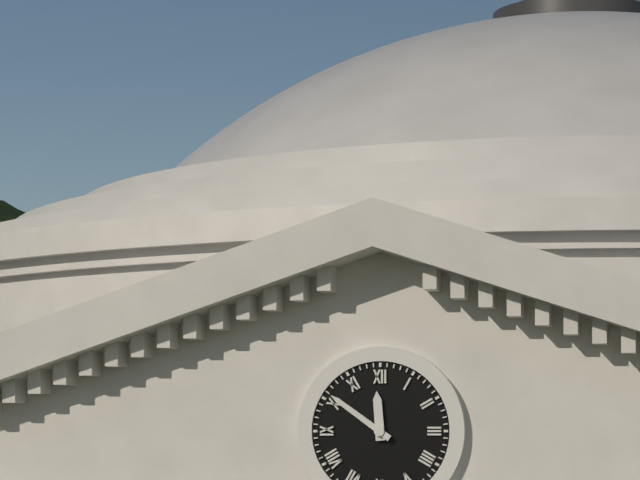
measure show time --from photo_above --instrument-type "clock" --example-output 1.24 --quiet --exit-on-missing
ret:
11.51
